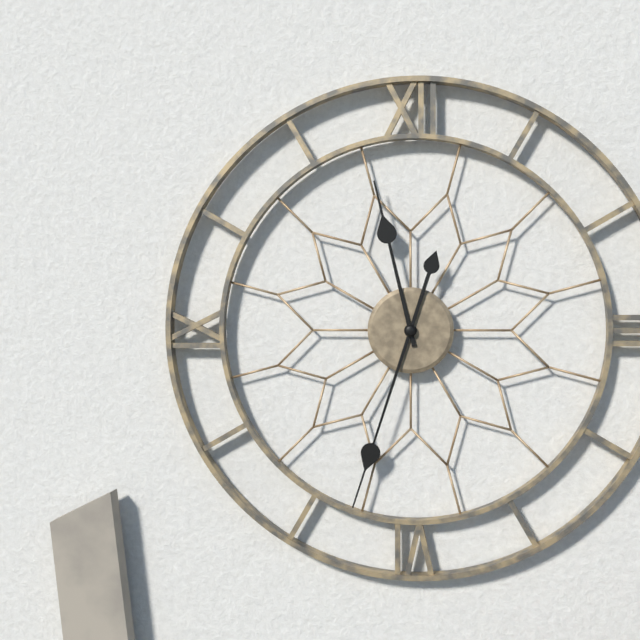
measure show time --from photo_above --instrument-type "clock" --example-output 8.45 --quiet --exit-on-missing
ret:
11.33
